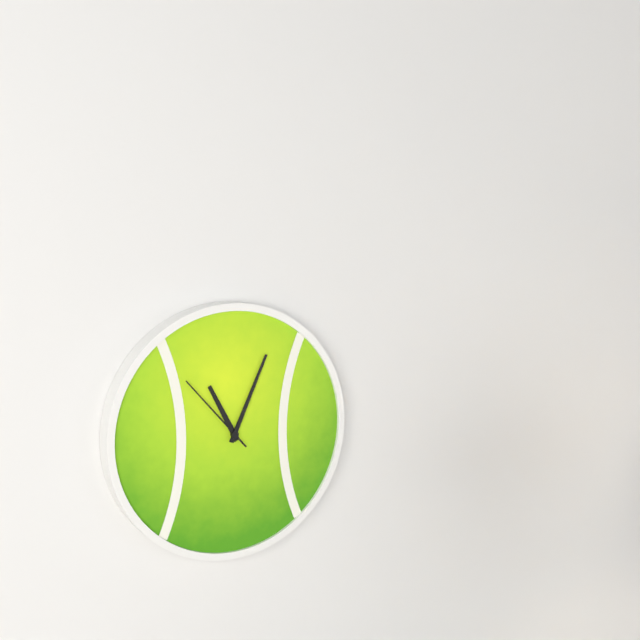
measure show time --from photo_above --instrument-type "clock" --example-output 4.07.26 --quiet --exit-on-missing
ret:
11.04.53
